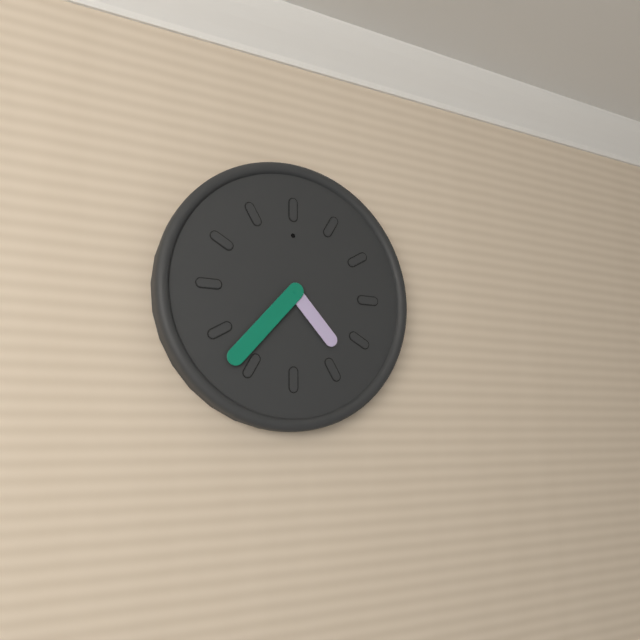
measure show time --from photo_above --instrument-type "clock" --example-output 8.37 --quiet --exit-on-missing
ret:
4.37
